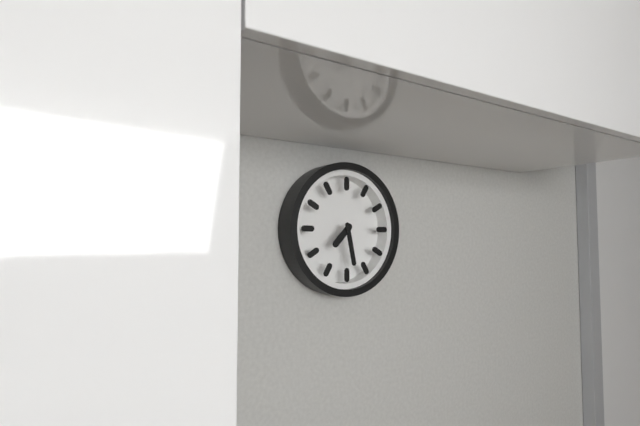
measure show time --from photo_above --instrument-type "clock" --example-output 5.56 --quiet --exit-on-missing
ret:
7.28
